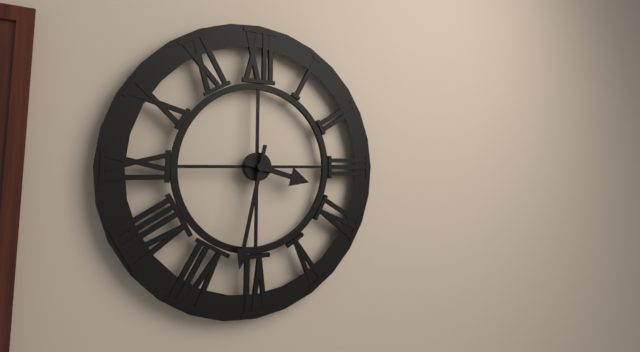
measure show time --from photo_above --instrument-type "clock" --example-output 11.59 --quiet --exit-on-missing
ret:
3.32
